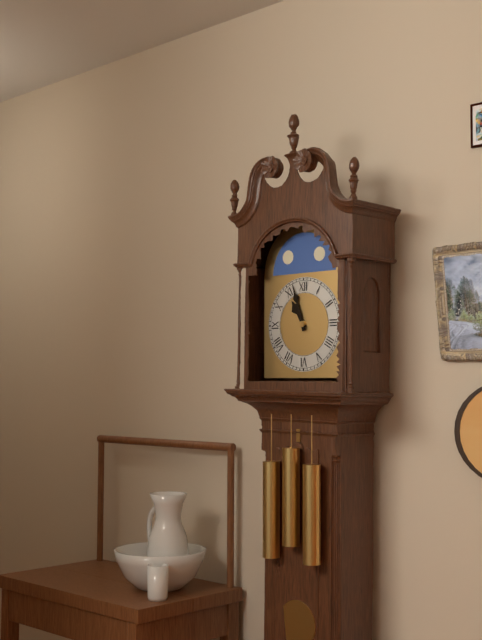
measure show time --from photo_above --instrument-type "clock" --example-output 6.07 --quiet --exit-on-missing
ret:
10.57
